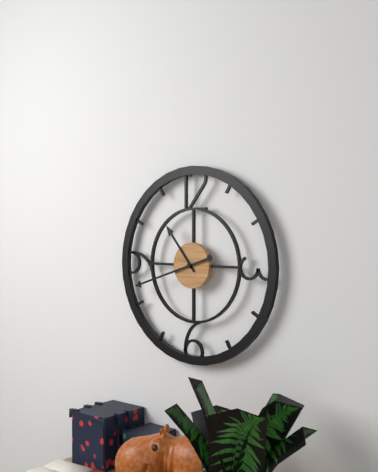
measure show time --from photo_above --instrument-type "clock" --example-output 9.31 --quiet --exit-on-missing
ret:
10.42
